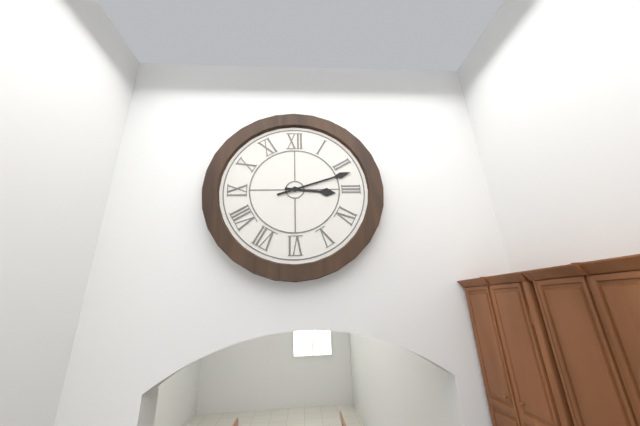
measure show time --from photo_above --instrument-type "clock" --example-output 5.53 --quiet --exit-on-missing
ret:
3.12
